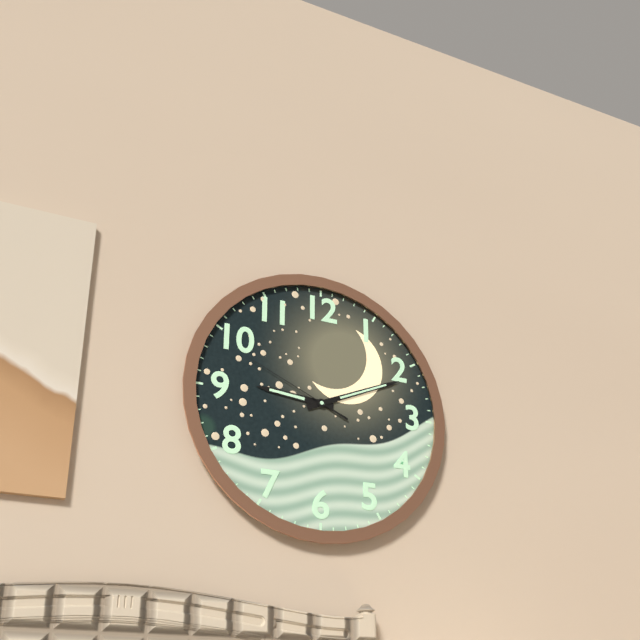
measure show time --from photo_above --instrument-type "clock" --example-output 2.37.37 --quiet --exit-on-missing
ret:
9.11.49
